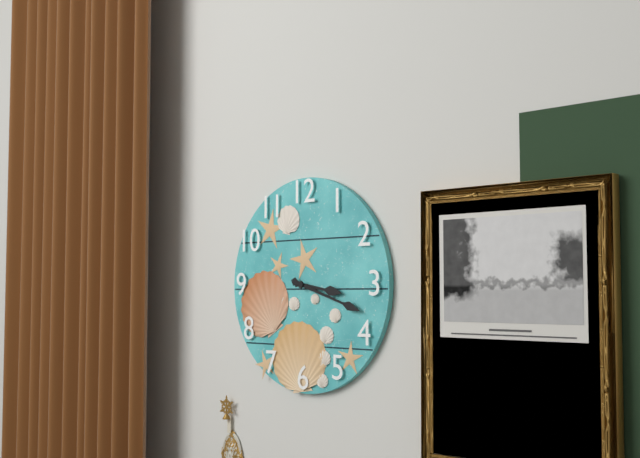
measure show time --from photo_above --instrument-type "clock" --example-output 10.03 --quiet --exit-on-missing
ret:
3.18
